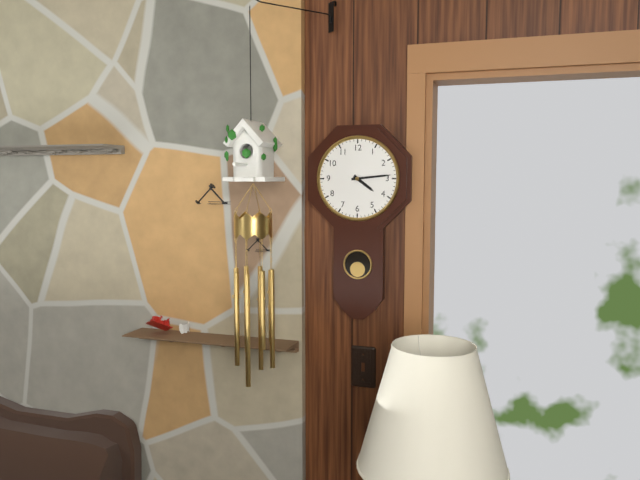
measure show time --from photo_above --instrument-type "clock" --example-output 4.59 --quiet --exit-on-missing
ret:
4.14
